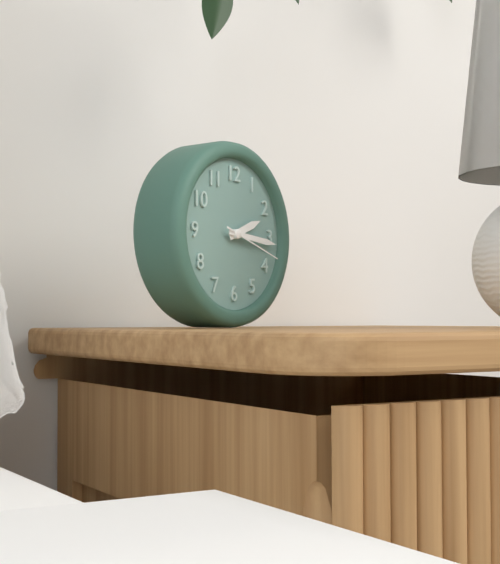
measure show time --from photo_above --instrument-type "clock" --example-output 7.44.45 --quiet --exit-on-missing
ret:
2.16.18
